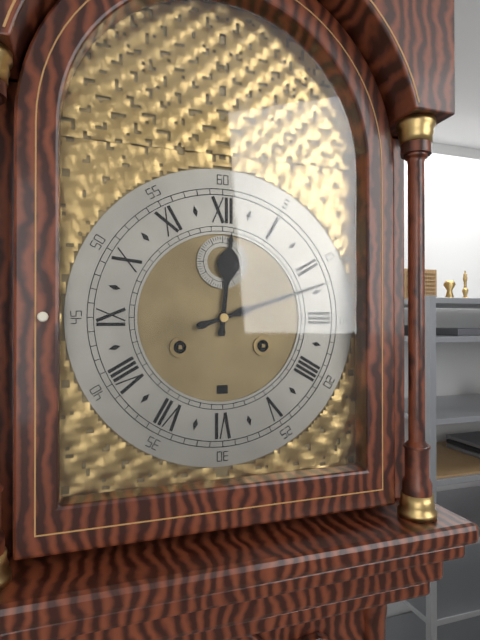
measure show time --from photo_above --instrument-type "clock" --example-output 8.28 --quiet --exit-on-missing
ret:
12.12
